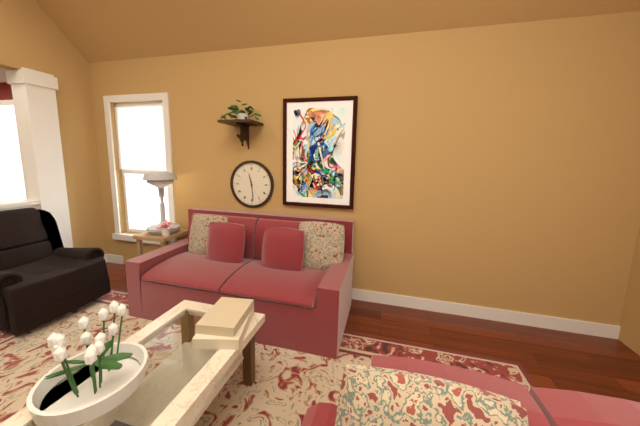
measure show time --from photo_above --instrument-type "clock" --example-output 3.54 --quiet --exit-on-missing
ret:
11.29
